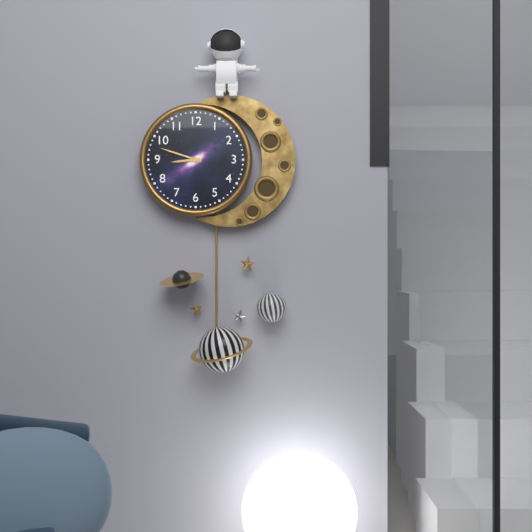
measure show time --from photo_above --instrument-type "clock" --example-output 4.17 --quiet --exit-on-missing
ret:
8.48
